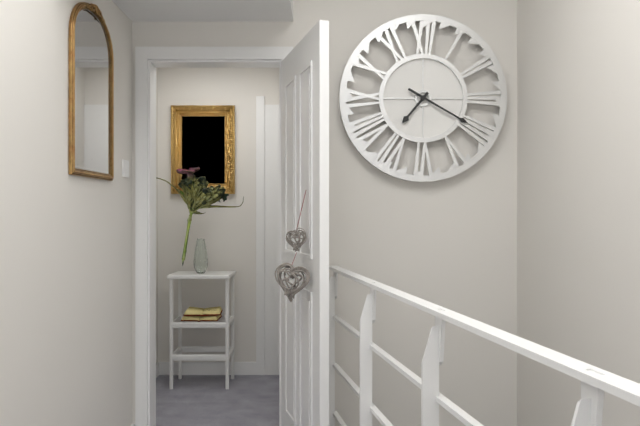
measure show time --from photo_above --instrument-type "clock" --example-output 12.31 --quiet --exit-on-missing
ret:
7.20
